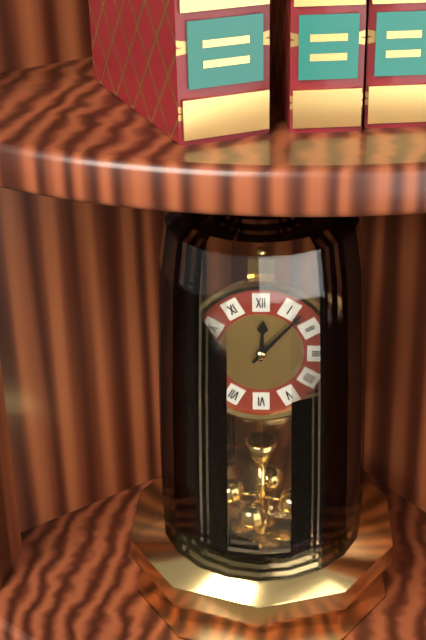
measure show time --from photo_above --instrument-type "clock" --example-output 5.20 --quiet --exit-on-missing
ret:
12.07
